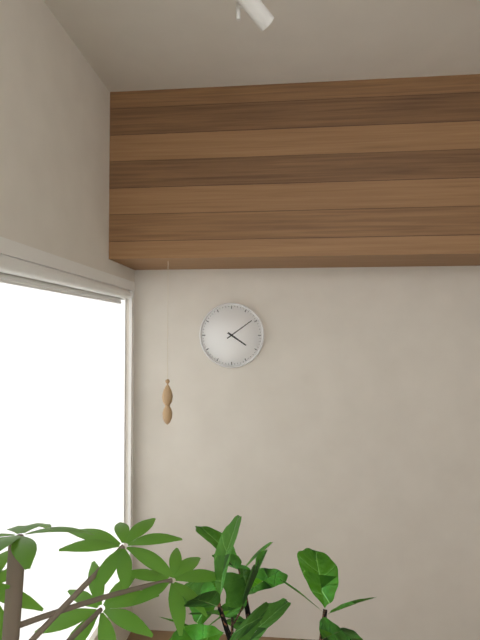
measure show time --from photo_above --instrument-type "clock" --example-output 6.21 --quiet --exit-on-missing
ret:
4.09
